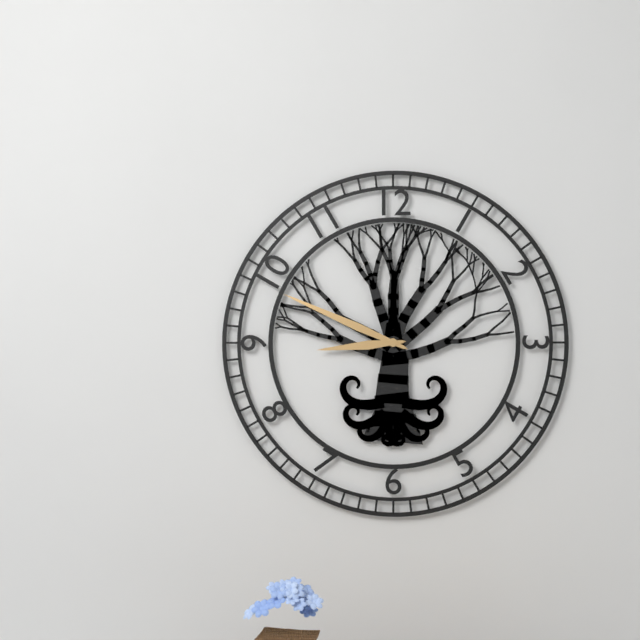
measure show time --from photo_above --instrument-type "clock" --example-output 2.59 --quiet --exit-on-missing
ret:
8.49
